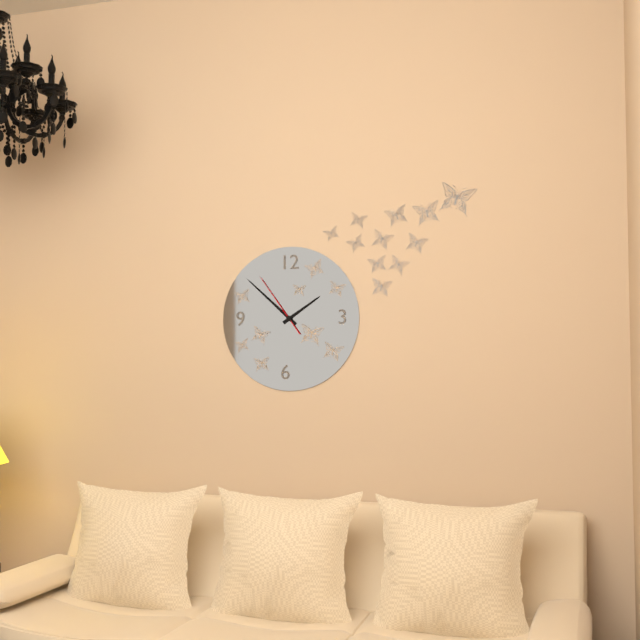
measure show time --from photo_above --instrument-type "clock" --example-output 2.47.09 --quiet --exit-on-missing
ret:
1.52.54
